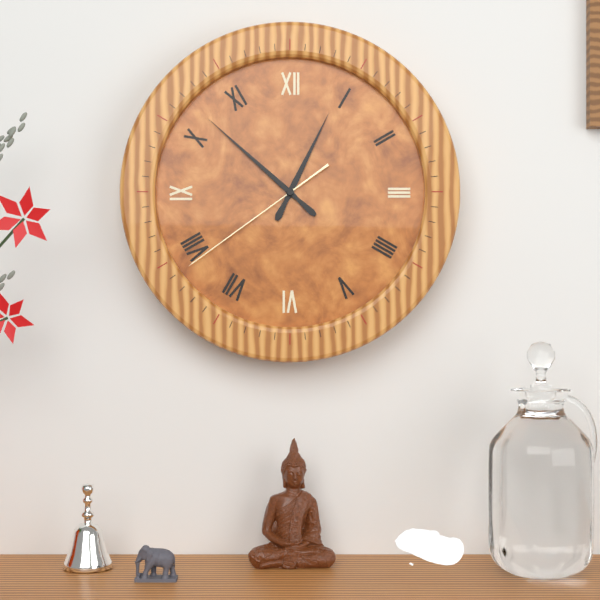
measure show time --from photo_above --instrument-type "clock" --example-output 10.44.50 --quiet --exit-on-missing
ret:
12.52.39
